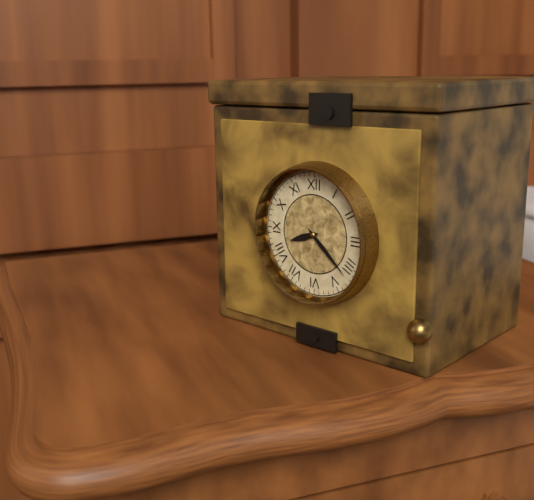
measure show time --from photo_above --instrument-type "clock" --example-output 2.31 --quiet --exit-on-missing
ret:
8.22
